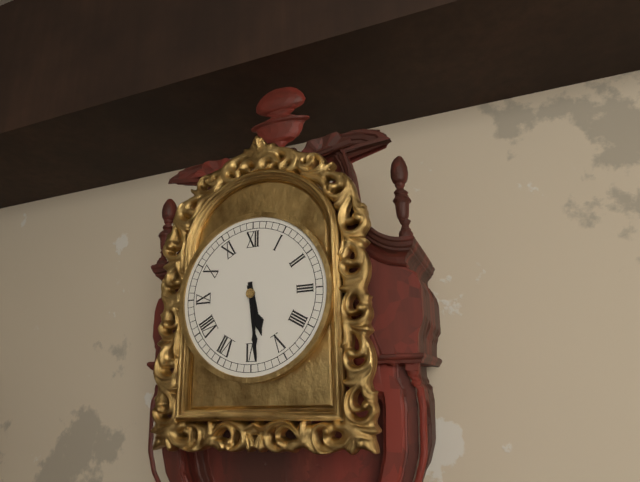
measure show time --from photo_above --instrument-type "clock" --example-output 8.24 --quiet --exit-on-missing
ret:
5.29
